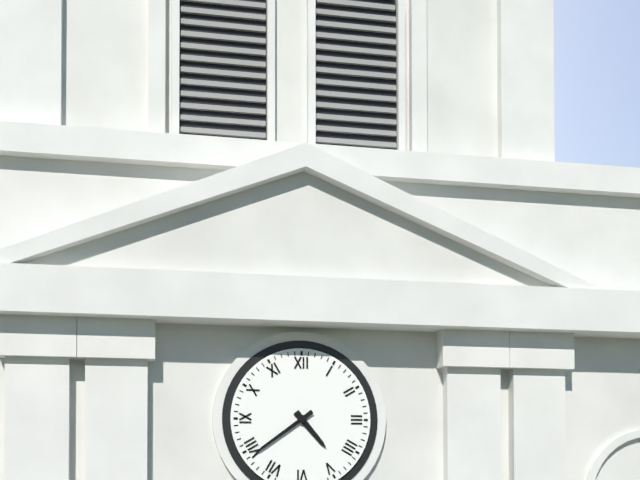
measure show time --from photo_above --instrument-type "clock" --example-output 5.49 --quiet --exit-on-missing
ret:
4.39
